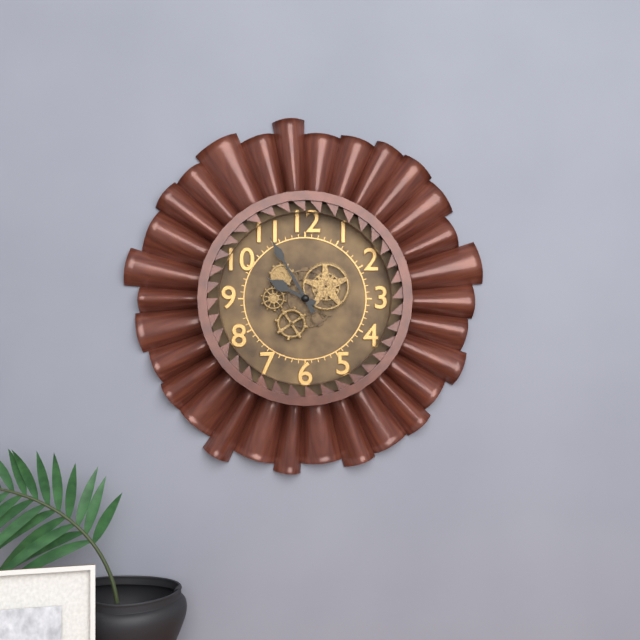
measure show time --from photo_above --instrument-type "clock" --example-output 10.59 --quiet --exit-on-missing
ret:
9.55
